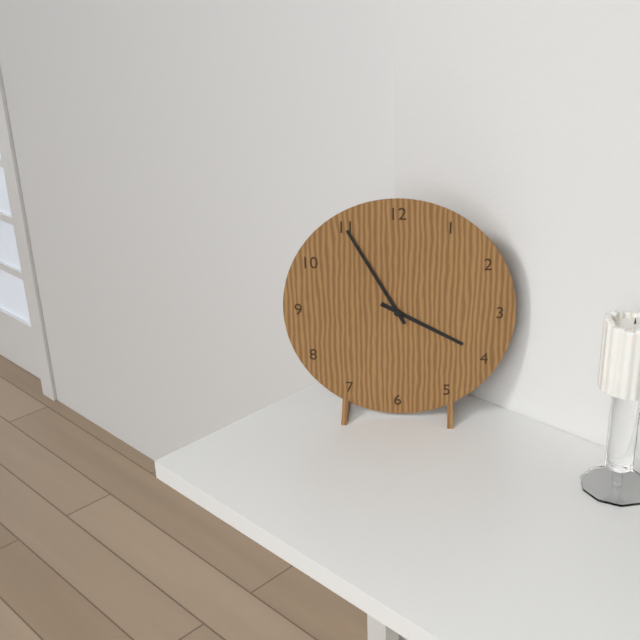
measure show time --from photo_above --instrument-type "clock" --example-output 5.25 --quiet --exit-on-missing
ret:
3.55
